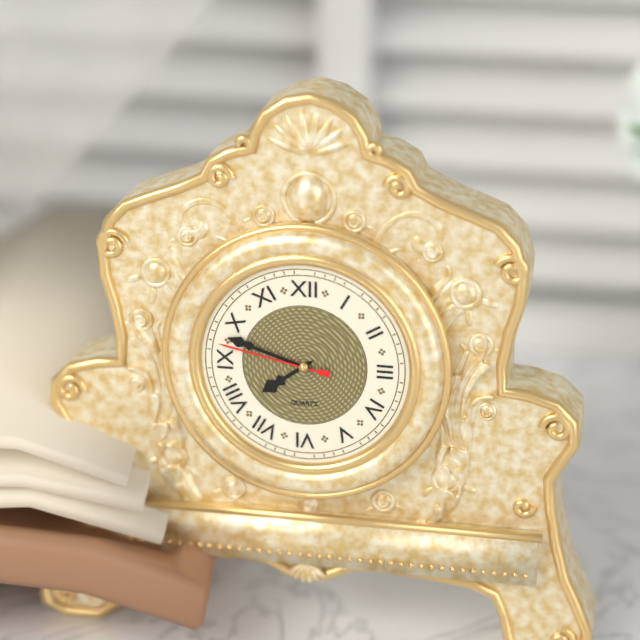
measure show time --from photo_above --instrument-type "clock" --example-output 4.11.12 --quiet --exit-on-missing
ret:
7.48.47
